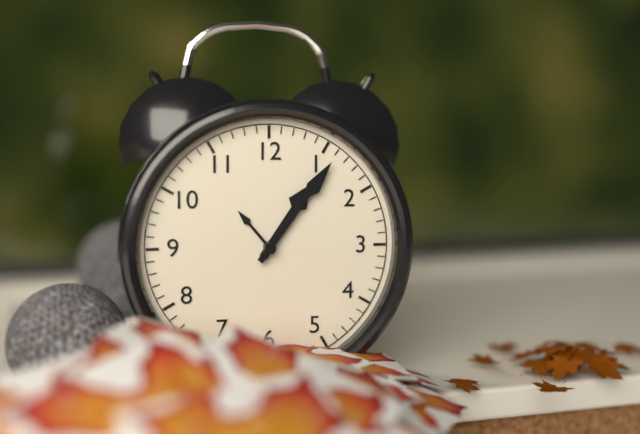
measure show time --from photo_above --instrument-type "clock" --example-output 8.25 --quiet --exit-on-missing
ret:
1.06
